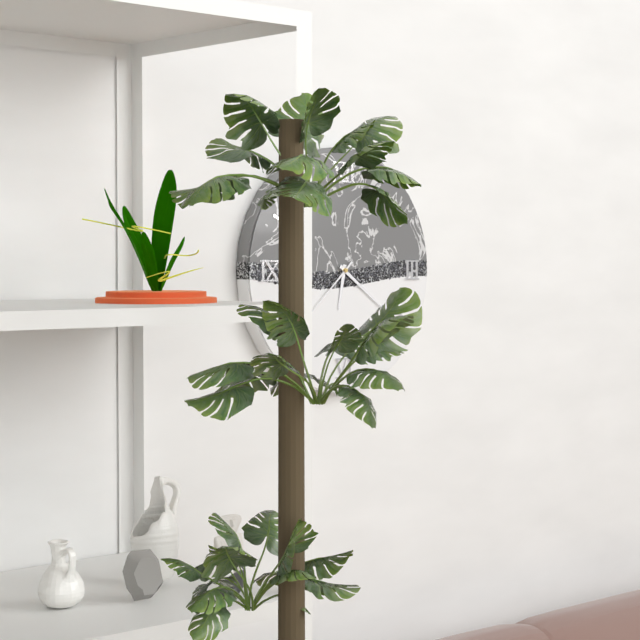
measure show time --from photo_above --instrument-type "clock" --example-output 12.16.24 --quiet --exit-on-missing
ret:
6.21.38
